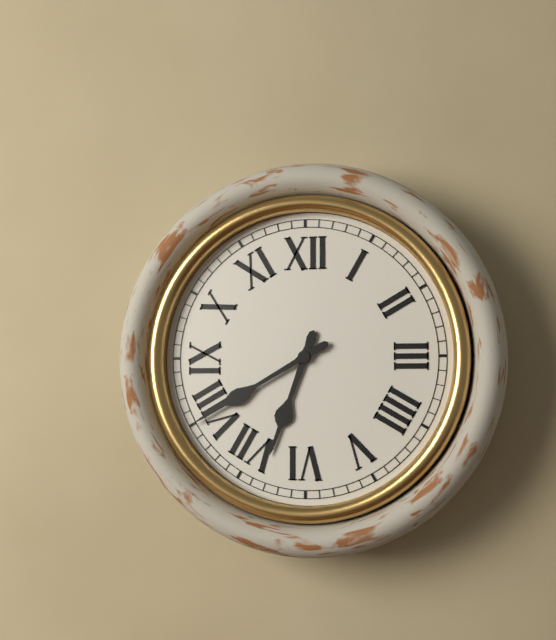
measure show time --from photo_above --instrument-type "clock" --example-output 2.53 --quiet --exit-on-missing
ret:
6.40
